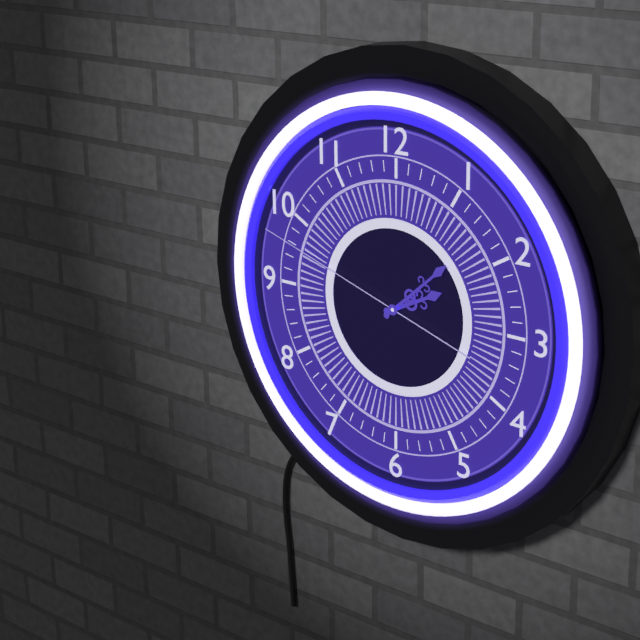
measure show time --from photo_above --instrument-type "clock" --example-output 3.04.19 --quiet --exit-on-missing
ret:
2.08.48
